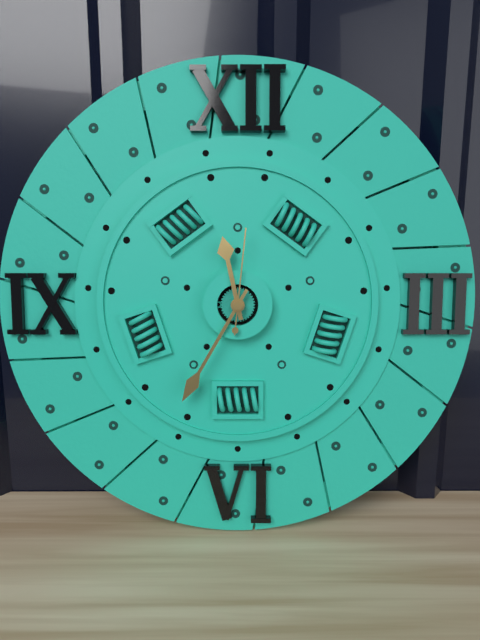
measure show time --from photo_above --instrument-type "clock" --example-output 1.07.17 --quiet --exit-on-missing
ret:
11.35.01
